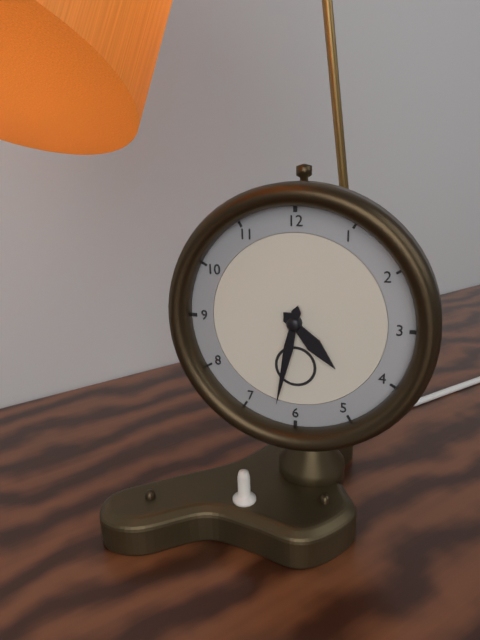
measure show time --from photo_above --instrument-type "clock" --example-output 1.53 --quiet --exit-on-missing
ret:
4.32
